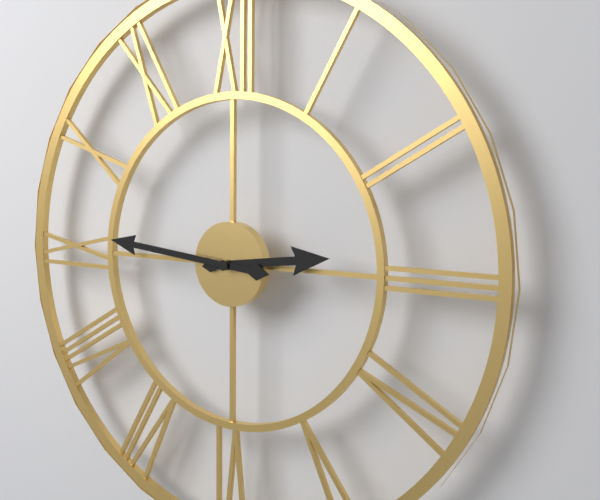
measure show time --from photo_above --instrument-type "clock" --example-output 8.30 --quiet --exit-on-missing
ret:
2.46
